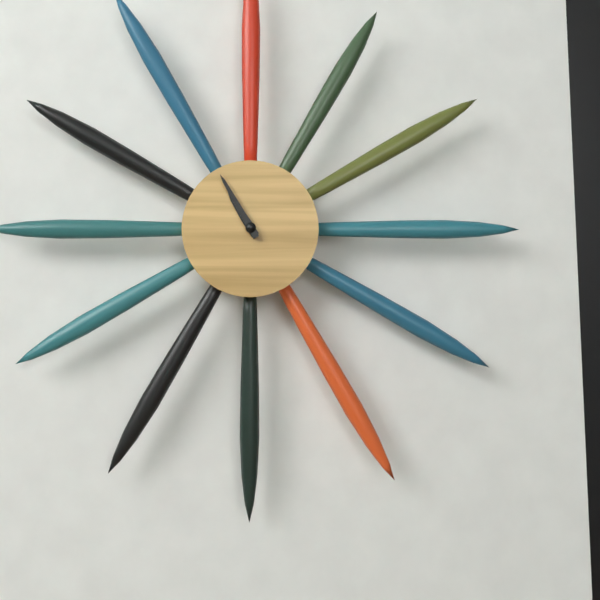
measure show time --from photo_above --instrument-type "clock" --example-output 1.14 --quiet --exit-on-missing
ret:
10.55
